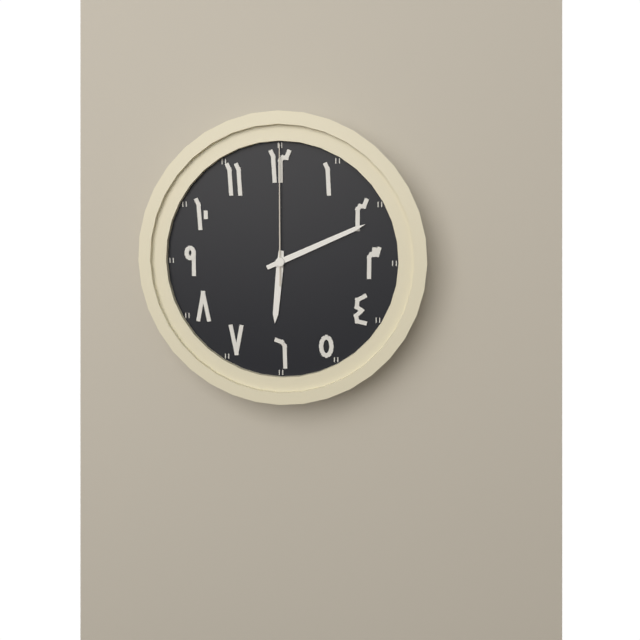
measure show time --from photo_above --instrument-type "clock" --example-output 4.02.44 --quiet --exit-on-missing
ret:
6.11.00
